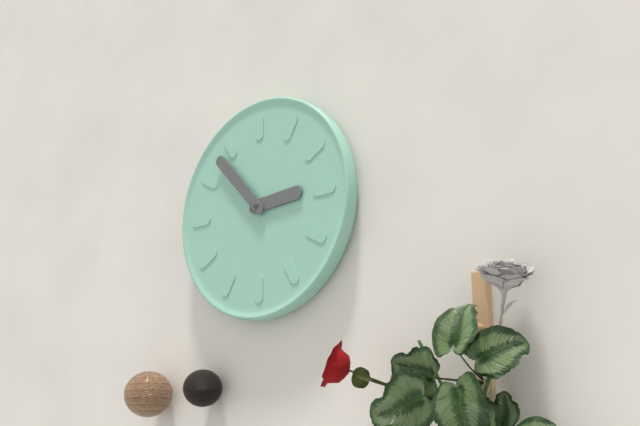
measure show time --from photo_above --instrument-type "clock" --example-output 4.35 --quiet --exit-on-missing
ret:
2.53
